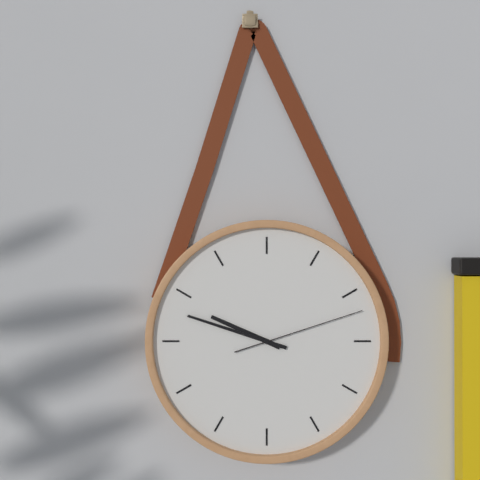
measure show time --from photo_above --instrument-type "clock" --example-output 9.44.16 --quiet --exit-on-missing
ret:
9.48.12
